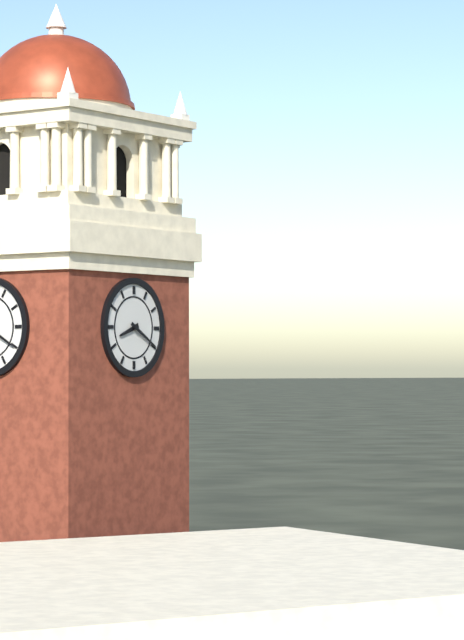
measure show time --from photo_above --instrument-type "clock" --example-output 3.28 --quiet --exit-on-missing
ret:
8.20
